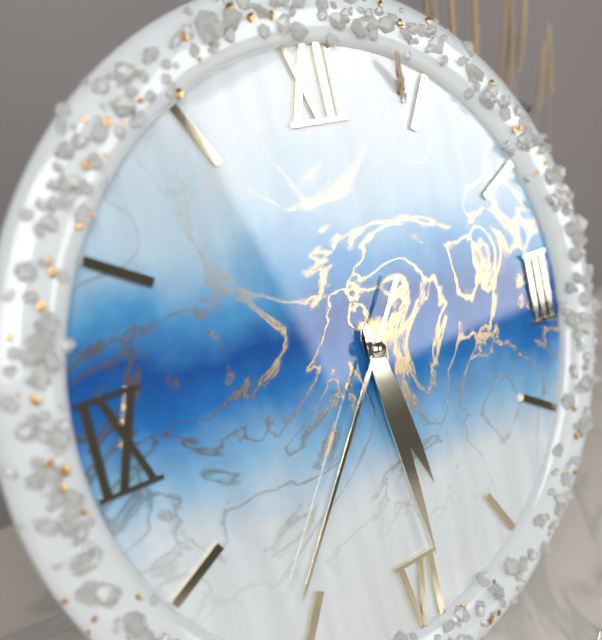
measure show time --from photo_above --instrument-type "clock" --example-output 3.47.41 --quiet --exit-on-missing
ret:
5.29.36
